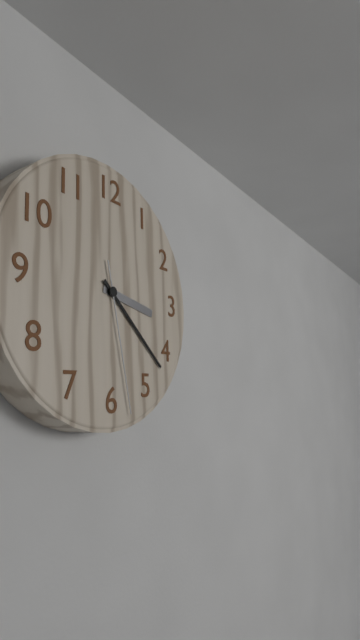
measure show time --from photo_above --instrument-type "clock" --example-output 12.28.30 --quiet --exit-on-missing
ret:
3.22.28
